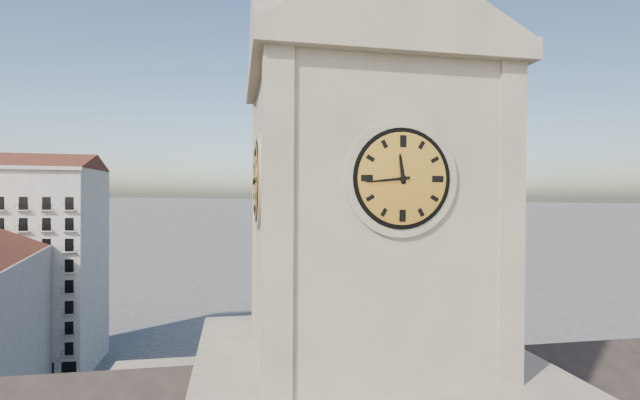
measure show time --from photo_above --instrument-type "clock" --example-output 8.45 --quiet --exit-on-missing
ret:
11.44
